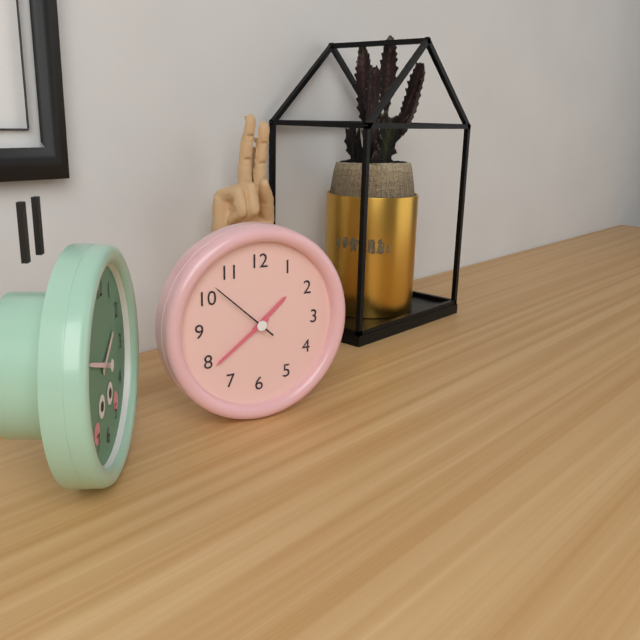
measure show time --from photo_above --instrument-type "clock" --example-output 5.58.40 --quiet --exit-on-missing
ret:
1.39.52
